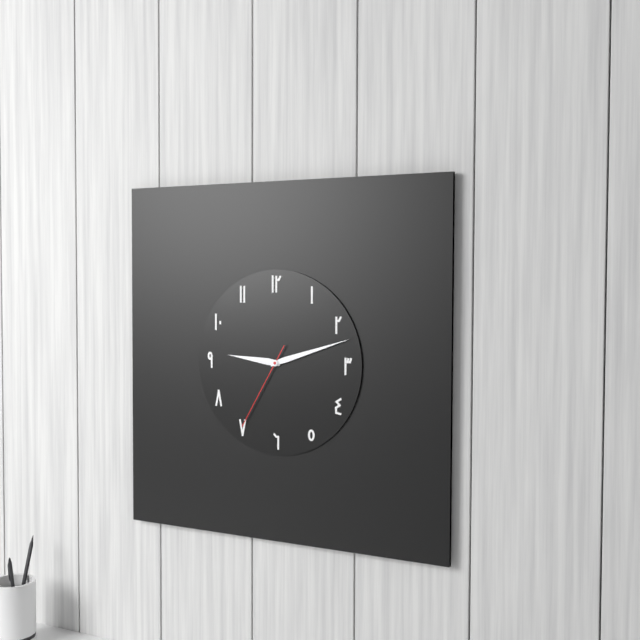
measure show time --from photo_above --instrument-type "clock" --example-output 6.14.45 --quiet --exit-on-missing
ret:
9.12.35
